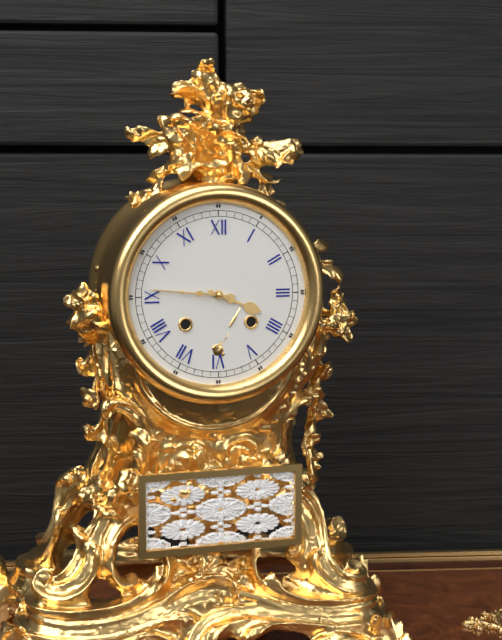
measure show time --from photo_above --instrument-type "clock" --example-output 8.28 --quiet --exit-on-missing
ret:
3.46
